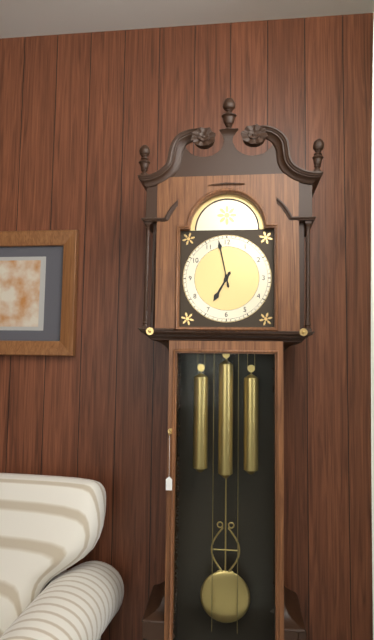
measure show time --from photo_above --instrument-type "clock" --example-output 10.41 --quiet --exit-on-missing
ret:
6.58
